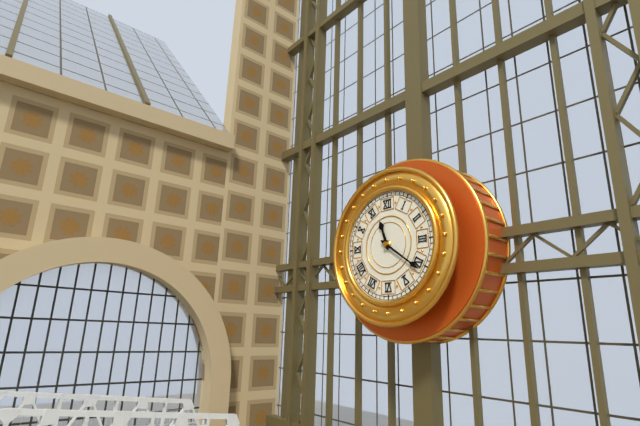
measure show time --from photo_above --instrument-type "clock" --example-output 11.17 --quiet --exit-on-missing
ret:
11.21
